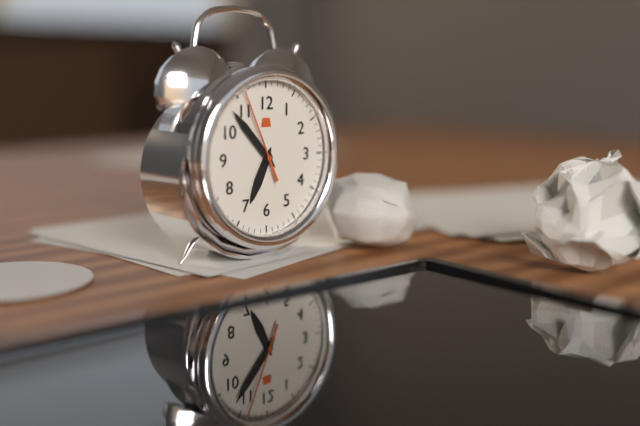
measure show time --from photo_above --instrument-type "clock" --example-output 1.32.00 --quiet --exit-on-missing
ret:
6.53.56
